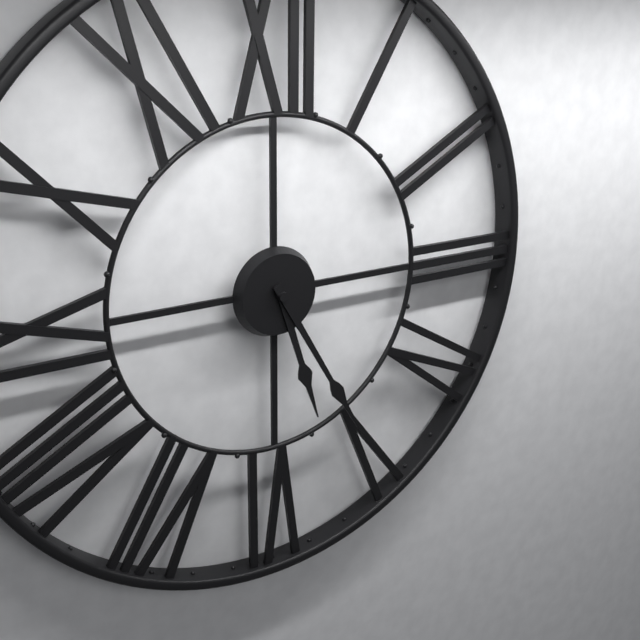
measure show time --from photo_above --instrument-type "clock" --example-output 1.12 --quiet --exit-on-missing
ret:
5.25
